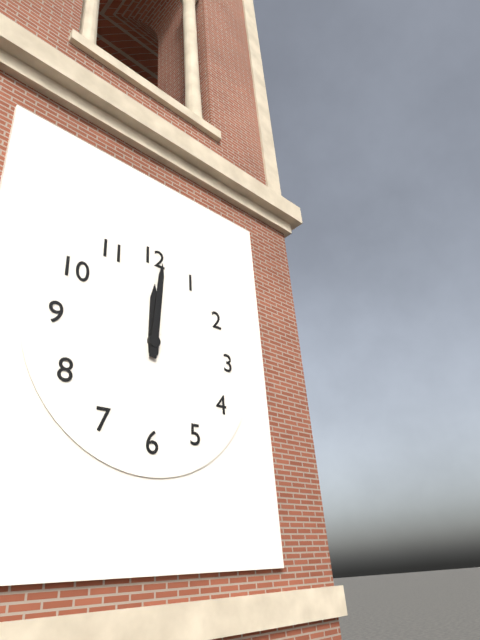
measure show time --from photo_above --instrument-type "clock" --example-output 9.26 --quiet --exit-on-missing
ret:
12.01
